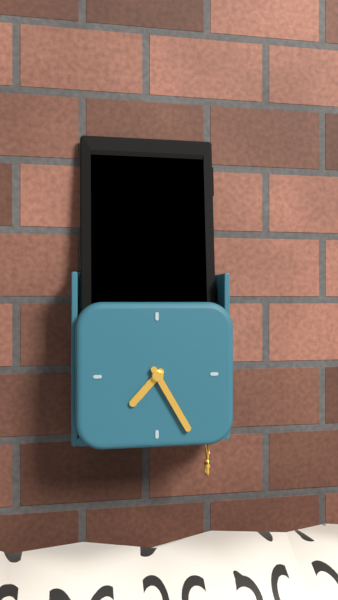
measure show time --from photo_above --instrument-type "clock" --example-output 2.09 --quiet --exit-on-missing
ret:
7.25
